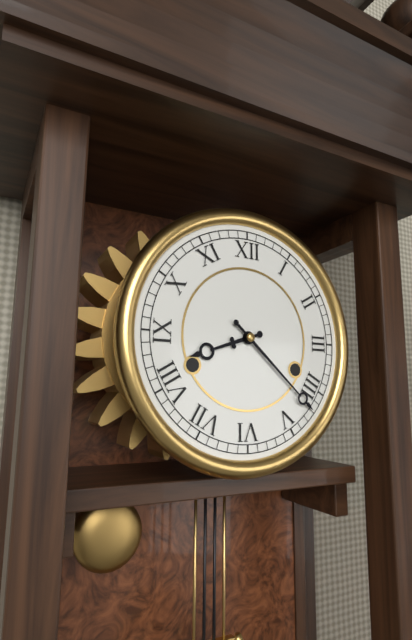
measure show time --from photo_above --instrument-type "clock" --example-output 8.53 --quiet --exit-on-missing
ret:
8.22
